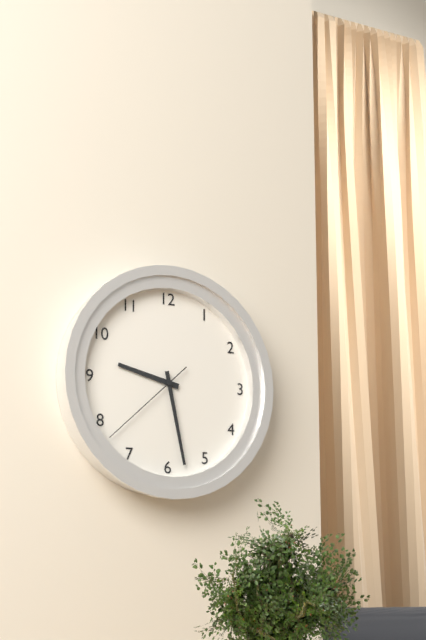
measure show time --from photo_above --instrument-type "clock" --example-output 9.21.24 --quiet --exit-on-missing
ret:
9.28.38
